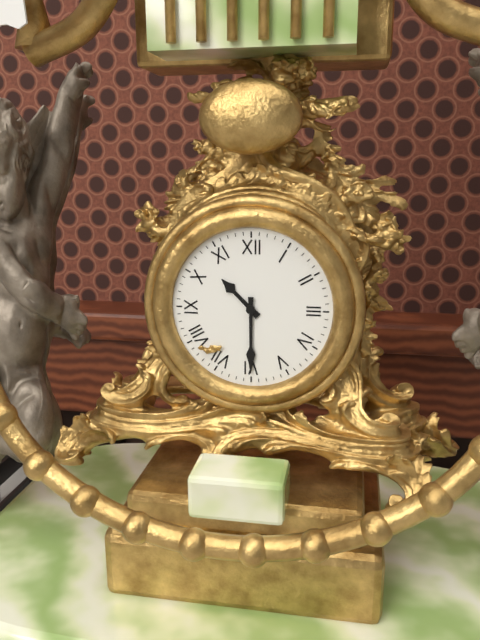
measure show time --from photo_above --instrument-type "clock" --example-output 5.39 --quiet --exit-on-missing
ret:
10.30
